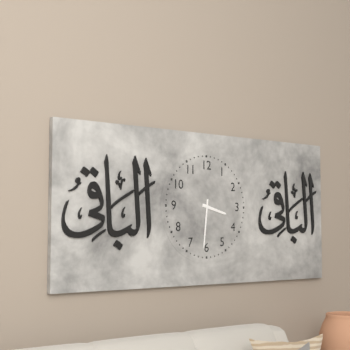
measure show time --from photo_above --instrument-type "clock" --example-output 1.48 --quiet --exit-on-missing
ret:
3.31
